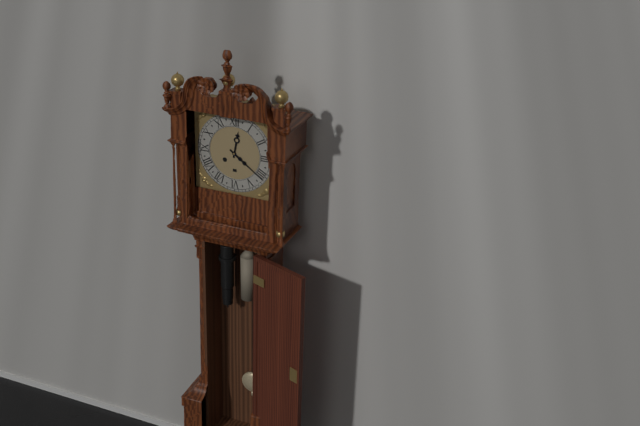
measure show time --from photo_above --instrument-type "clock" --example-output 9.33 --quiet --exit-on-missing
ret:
12.21
